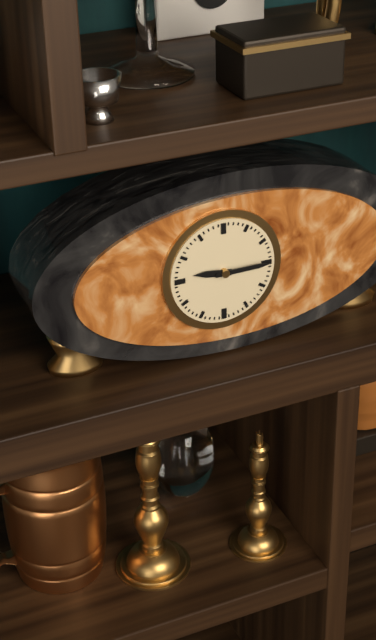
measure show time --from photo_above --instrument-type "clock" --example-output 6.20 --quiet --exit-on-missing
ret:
9.15
